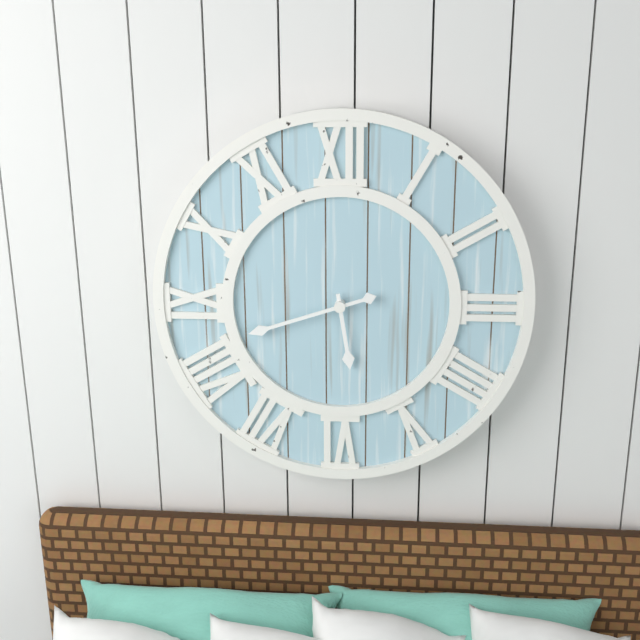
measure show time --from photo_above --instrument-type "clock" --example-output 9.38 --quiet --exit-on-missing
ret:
5.42
